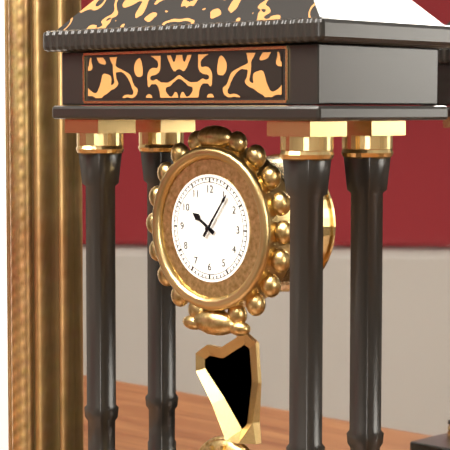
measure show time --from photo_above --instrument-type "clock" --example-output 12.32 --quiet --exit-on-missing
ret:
10.06
